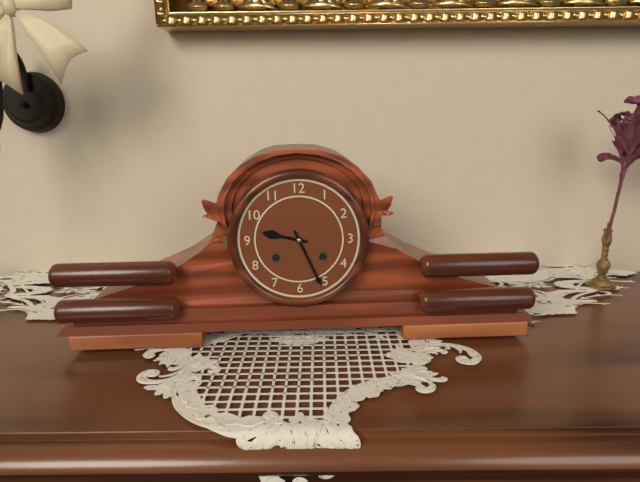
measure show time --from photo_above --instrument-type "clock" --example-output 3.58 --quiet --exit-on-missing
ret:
9.26
